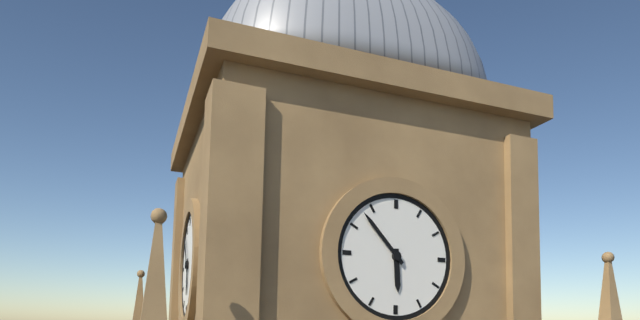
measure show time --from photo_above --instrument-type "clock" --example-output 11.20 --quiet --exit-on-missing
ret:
5.53
